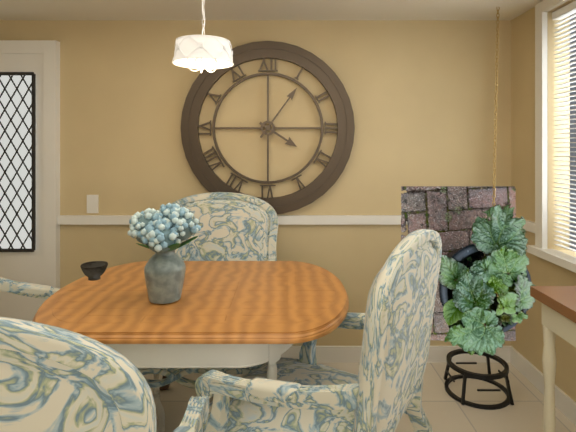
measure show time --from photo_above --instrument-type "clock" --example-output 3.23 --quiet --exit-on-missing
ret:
4.06
